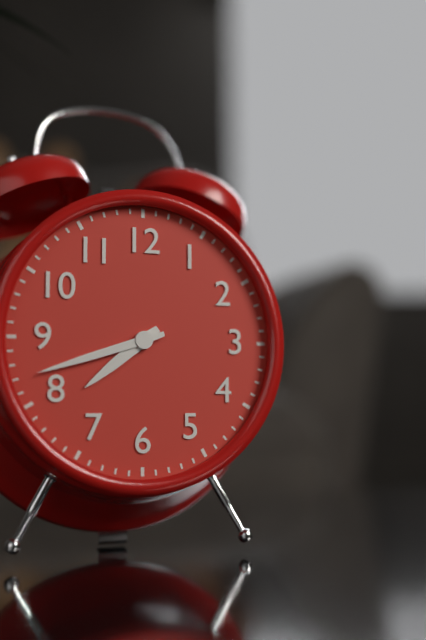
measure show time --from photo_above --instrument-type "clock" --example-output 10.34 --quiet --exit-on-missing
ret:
7.42
